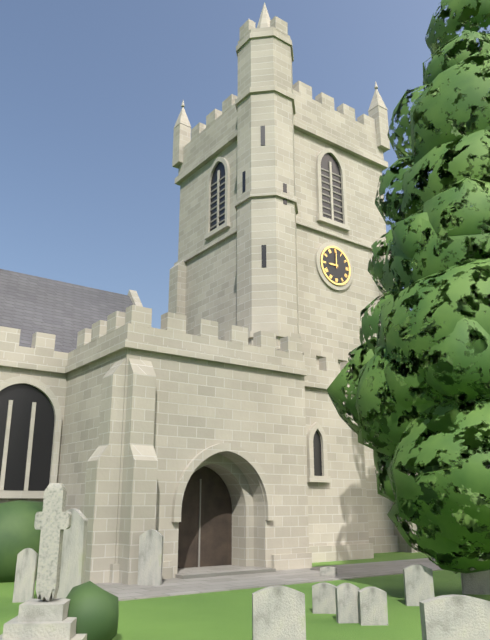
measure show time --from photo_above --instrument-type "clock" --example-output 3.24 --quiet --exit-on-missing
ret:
9.00
